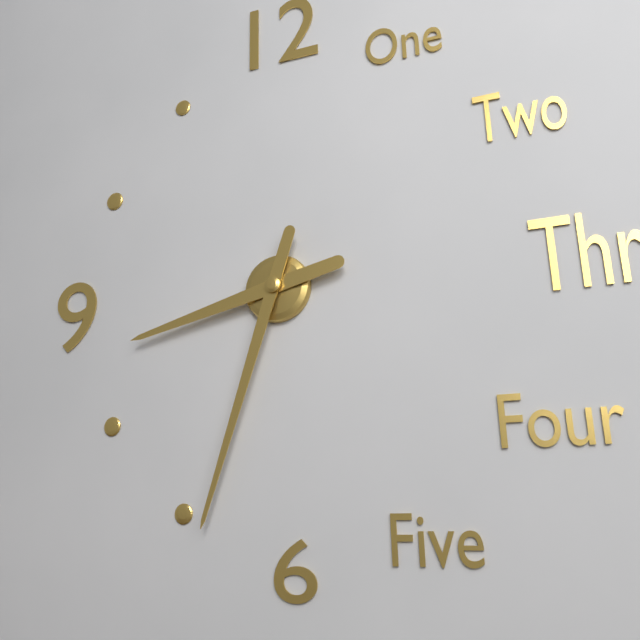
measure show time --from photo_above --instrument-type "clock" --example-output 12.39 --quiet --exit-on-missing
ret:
8.33
